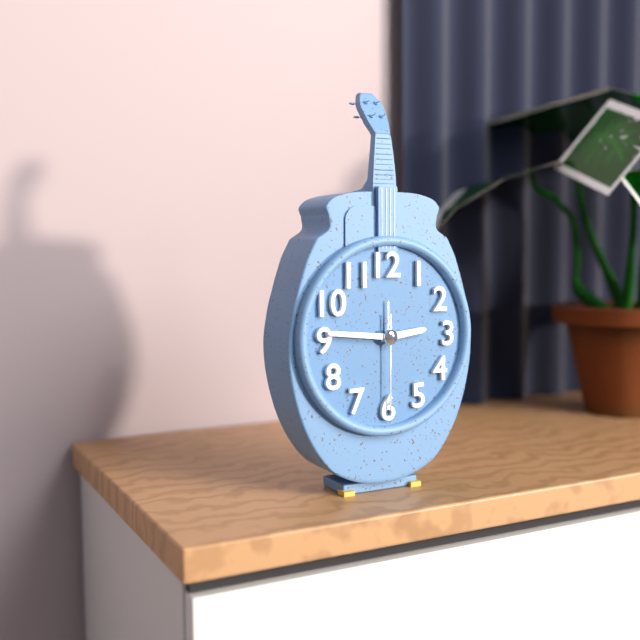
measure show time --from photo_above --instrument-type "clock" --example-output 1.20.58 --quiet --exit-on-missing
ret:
2.46.30
